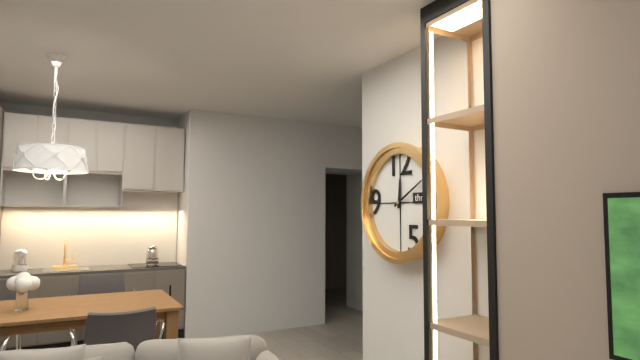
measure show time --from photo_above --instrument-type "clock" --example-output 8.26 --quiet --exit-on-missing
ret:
12.10
